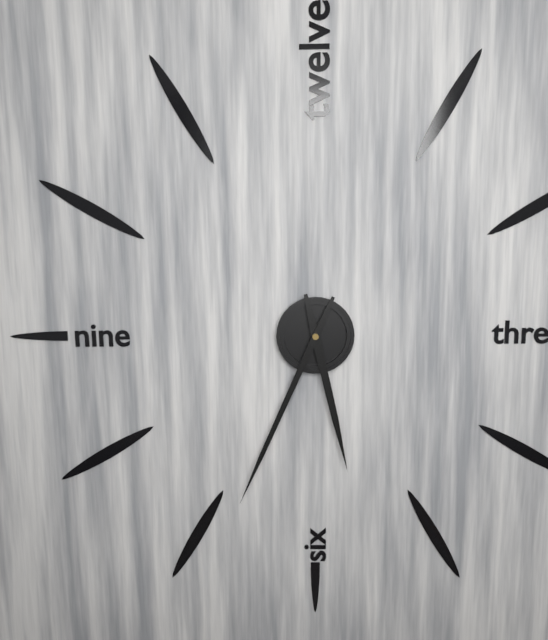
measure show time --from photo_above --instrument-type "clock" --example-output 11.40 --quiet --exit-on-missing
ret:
5.34
